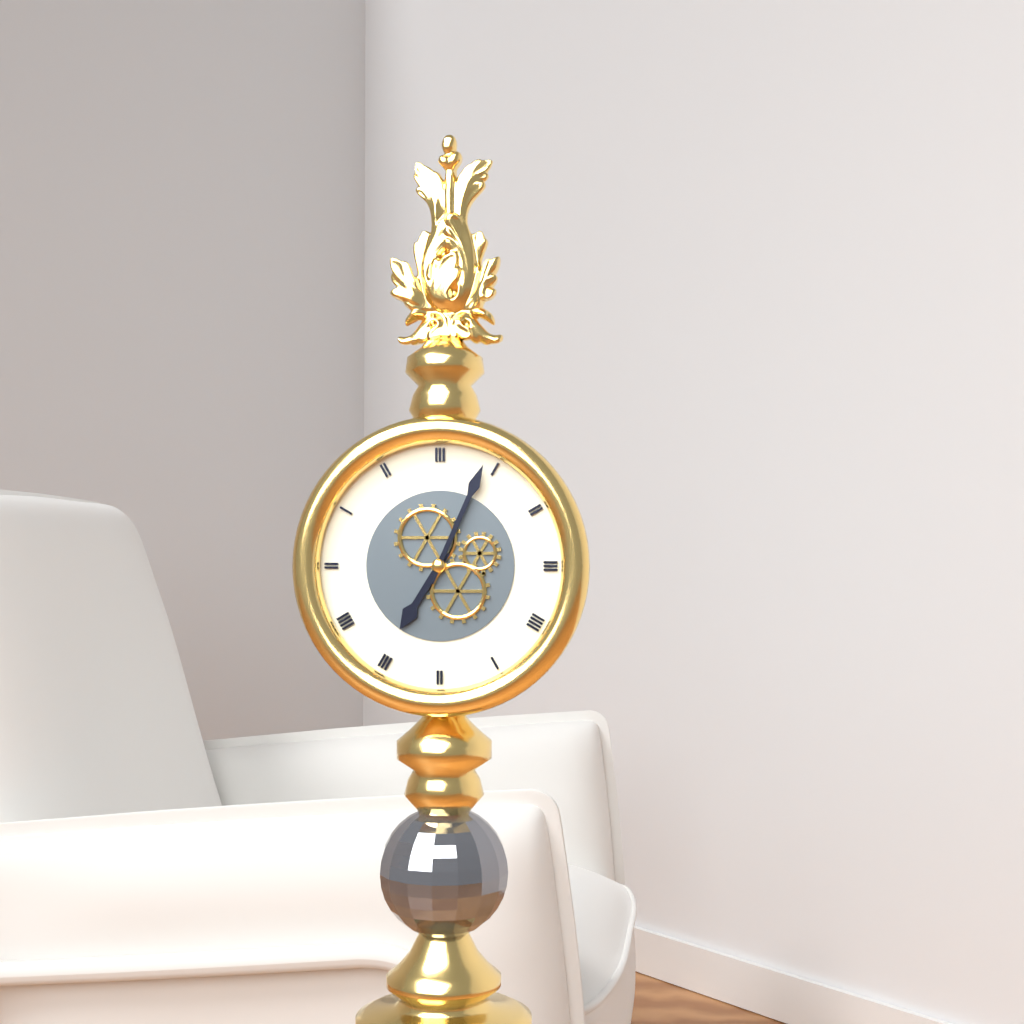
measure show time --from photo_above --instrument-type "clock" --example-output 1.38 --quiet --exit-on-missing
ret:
7.04
